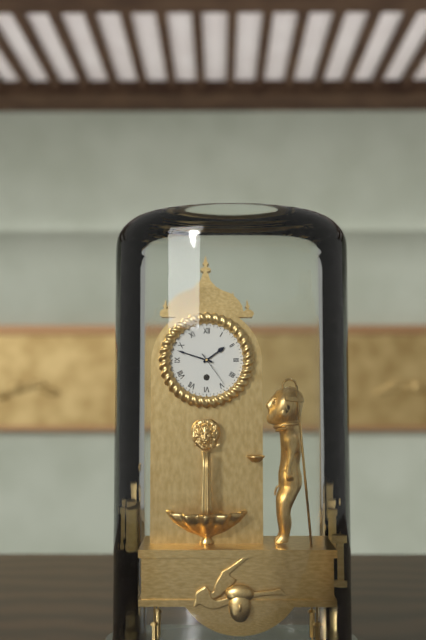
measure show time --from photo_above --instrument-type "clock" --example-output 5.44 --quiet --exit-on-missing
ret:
1.48
